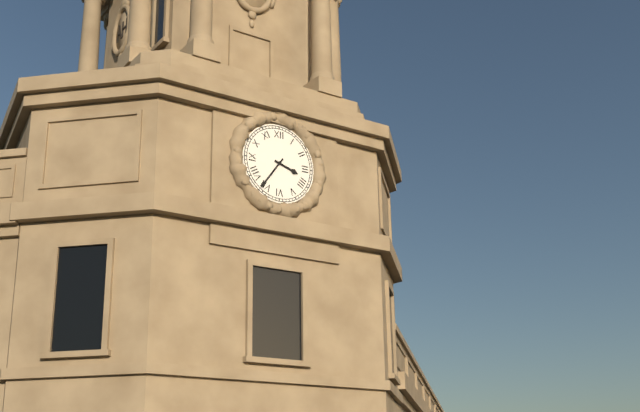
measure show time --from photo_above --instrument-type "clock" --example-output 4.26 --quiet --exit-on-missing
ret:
3.36
